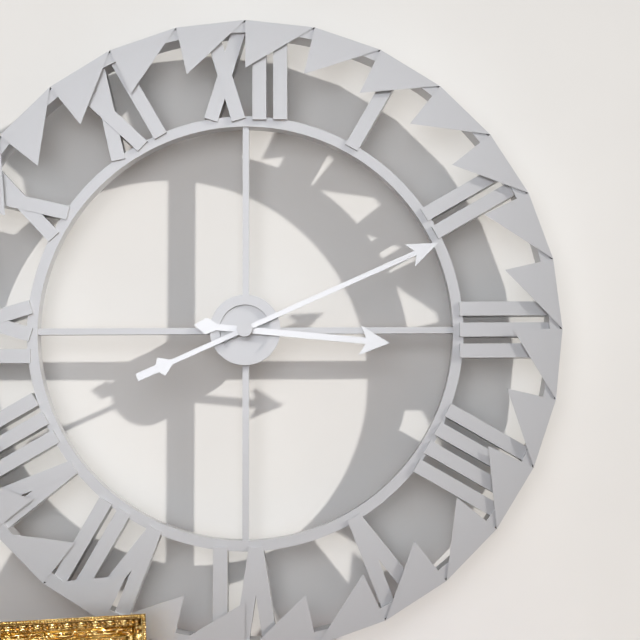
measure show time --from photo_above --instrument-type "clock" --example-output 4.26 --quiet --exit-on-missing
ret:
3.11
